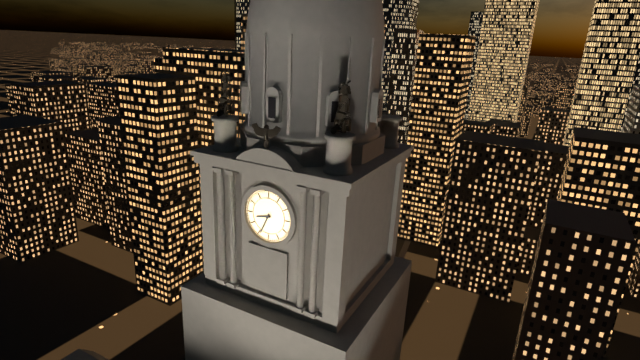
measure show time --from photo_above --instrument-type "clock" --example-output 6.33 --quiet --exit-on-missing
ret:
8.34
